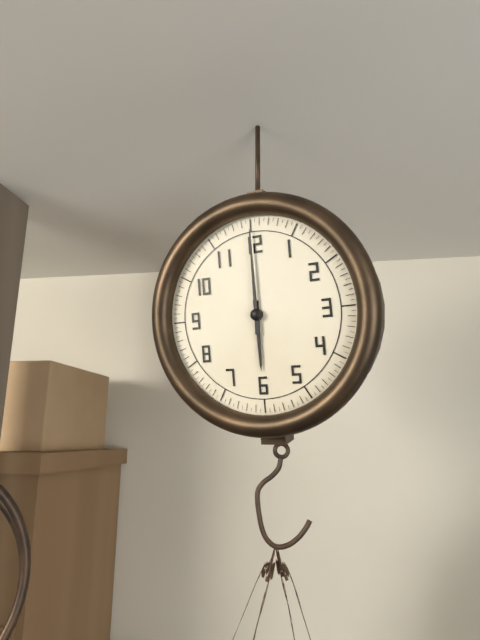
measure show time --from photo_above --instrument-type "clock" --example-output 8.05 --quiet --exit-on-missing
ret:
6.00
